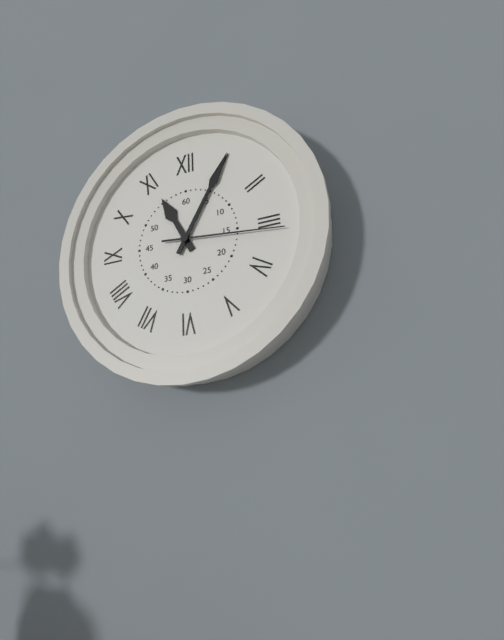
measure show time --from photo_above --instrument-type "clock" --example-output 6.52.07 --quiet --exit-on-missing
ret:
11.05.16
